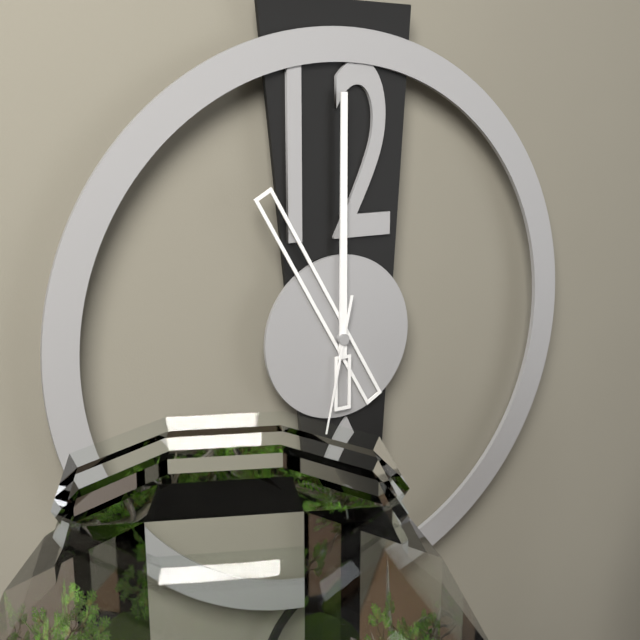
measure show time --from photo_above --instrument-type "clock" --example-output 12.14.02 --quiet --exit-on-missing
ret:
11.00.32
